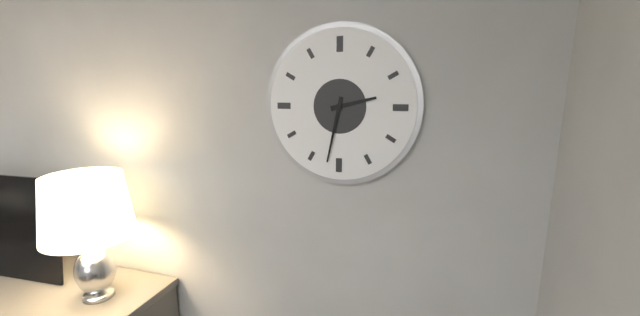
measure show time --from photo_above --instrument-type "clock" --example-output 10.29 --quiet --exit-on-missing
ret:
2.32
